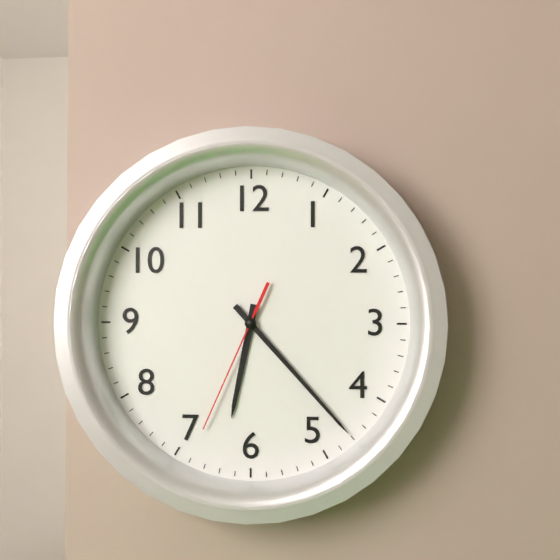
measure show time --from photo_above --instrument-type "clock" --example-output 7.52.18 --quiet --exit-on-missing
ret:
6.23.34
